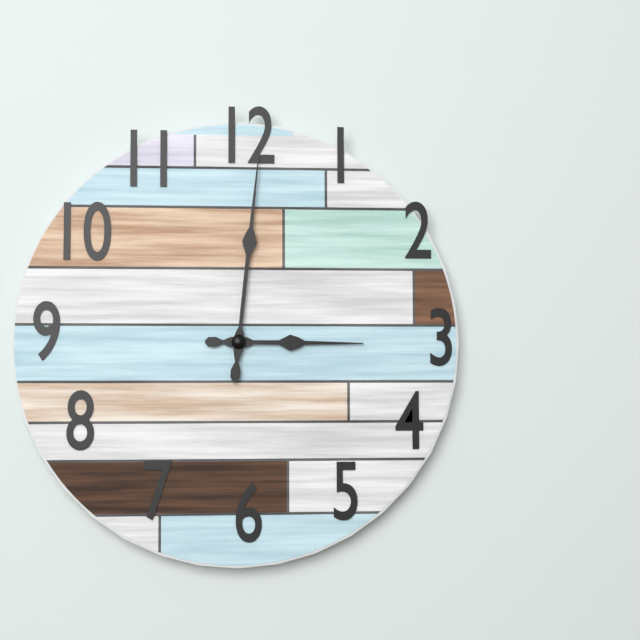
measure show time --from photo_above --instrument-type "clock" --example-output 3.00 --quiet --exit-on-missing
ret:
3.01
